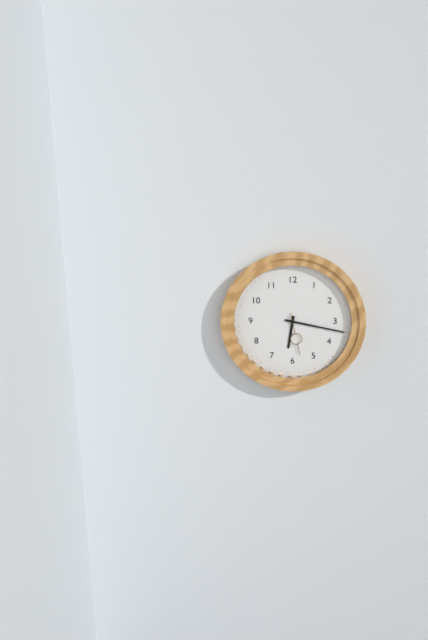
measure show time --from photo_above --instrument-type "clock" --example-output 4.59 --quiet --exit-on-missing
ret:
6.17
